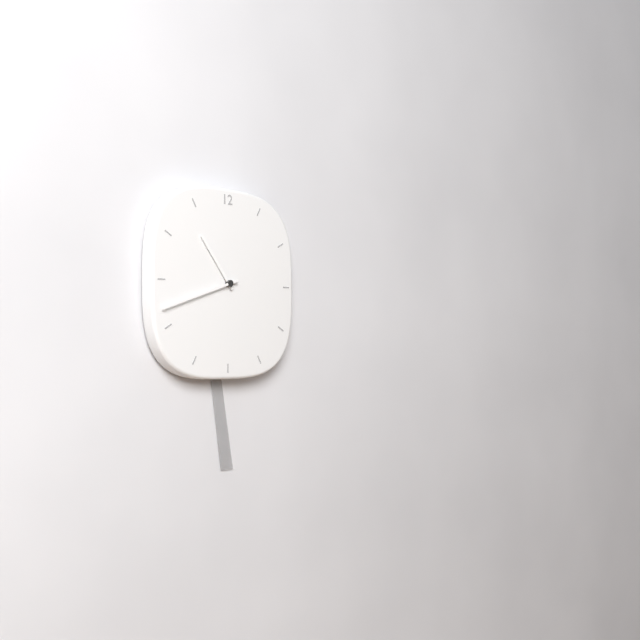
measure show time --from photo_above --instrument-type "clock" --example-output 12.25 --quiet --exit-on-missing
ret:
10.42
